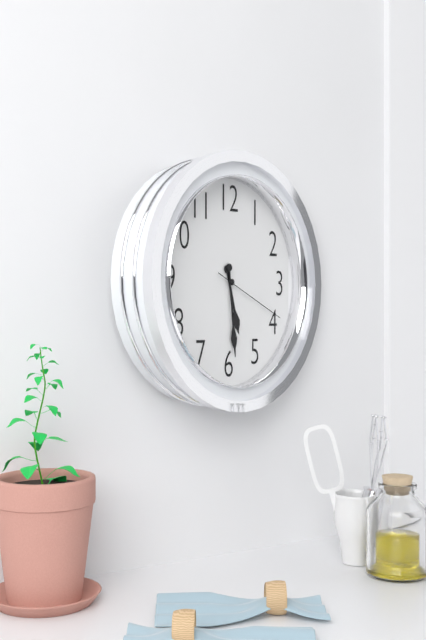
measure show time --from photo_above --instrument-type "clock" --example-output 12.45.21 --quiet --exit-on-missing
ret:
5.29.19
